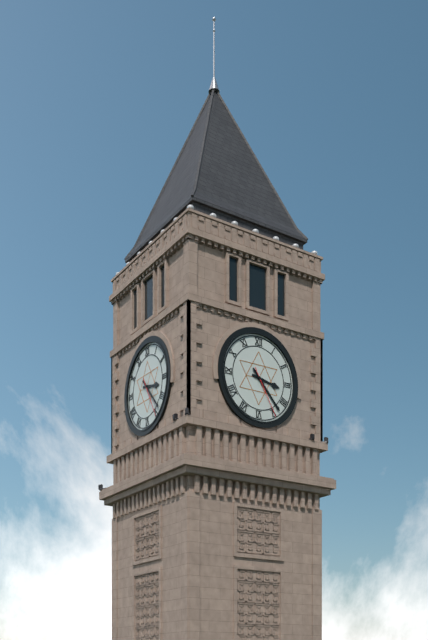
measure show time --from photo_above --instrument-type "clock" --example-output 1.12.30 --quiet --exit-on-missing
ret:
3.23.25
